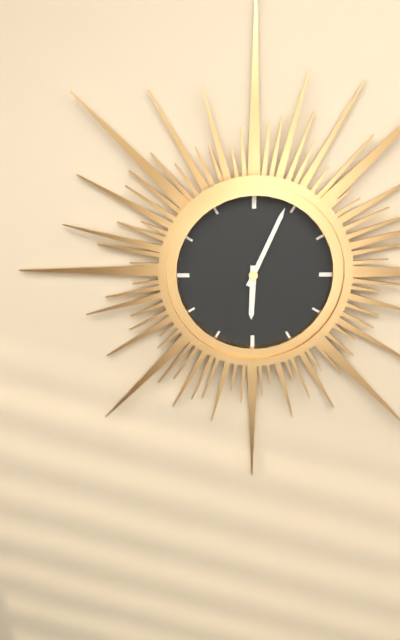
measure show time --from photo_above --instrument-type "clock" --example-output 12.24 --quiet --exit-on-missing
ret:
6.04
